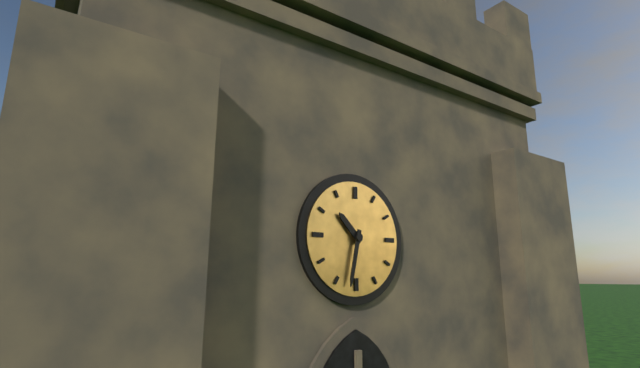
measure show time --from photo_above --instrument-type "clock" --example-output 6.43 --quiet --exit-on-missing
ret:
10.32
